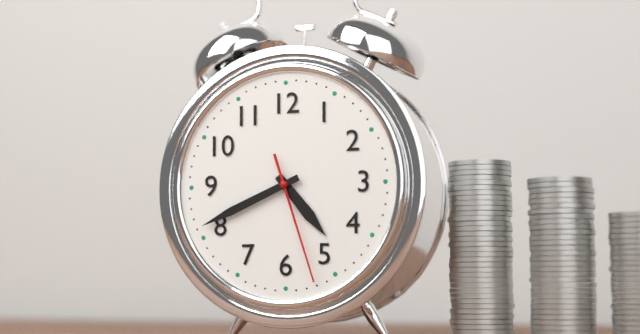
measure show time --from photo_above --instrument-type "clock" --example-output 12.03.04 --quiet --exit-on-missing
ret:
4.41.27
